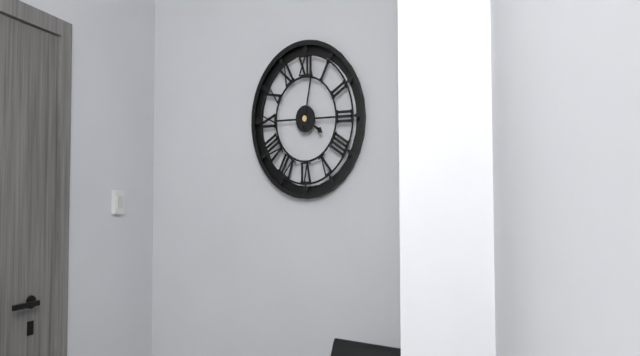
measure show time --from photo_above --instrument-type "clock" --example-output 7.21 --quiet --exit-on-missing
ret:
4.02
